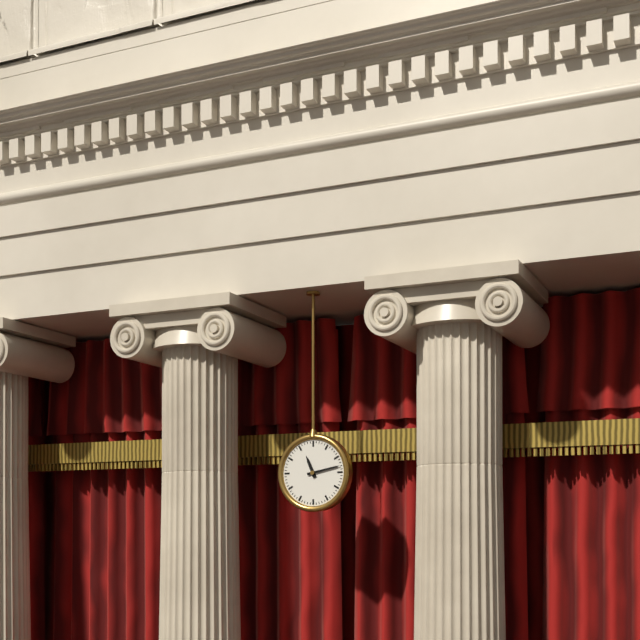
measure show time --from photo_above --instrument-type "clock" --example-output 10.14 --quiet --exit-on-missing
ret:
11.13
